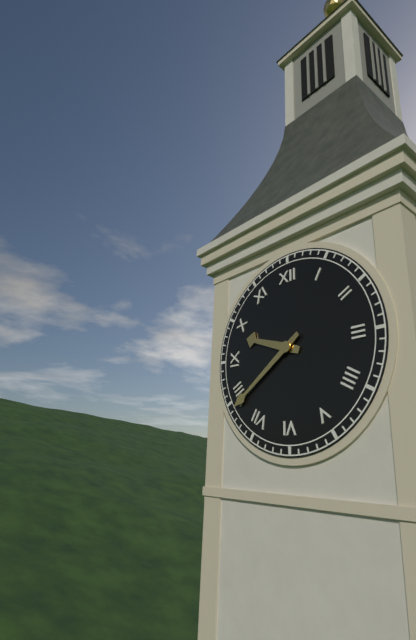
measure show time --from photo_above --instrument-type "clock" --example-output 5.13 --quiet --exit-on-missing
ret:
9.39
